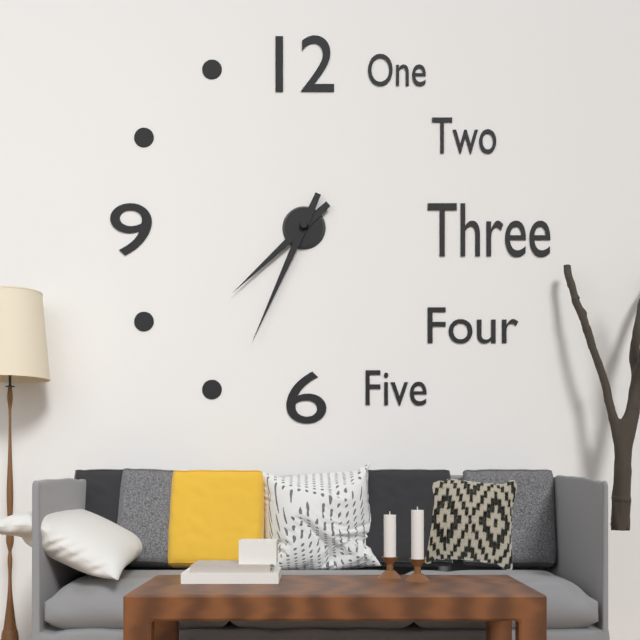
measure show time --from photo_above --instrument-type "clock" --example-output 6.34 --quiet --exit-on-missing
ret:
7.34
